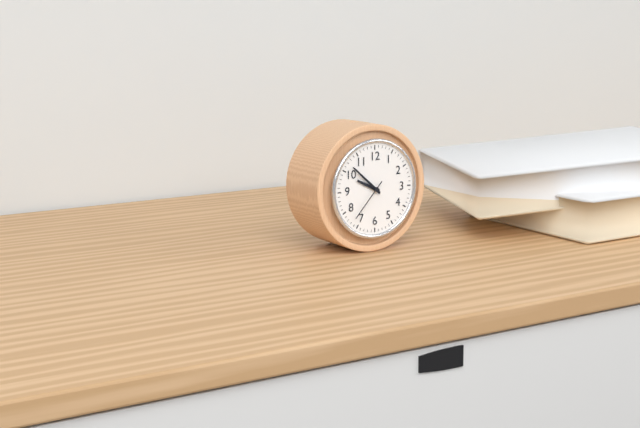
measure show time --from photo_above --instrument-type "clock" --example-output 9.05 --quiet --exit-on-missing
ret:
9.52
